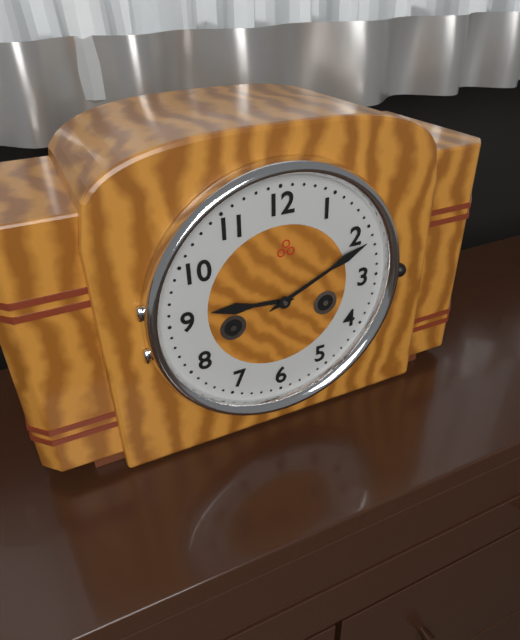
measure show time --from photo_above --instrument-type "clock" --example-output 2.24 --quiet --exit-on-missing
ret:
9.11
